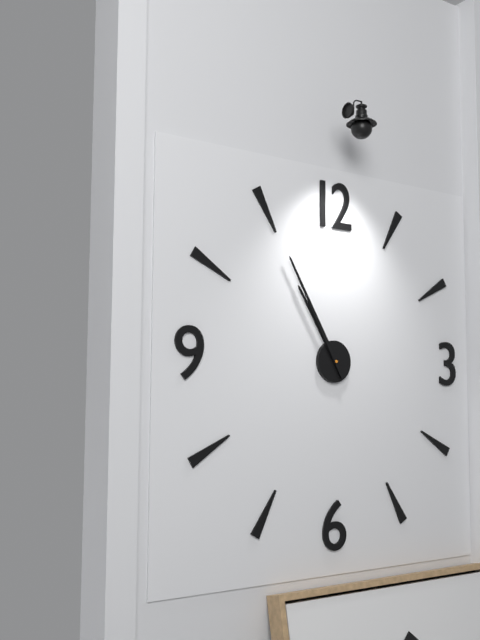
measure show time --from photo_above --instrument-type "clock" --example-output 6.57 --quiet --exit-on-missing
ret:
10.55
